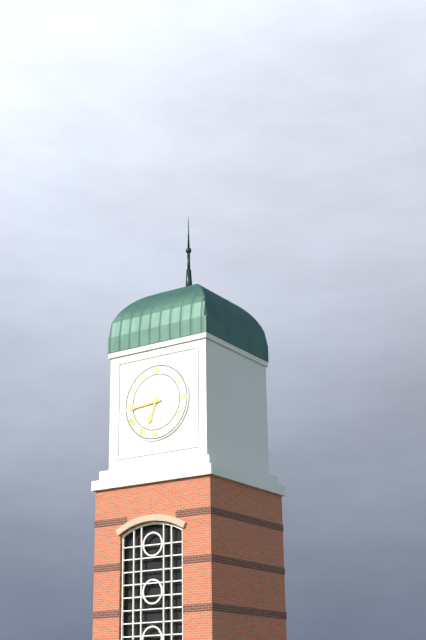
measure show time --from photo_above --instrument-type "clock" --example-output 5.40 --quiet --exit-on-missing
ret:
6.44
